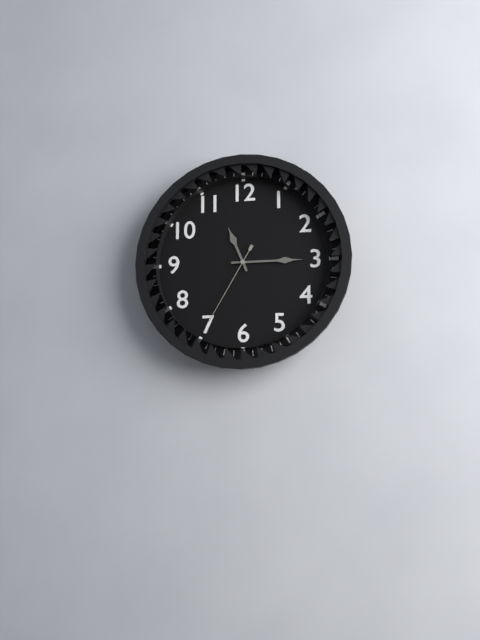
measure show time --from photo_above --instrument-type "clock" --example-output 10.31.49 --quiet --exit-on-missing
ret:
11.15.35
